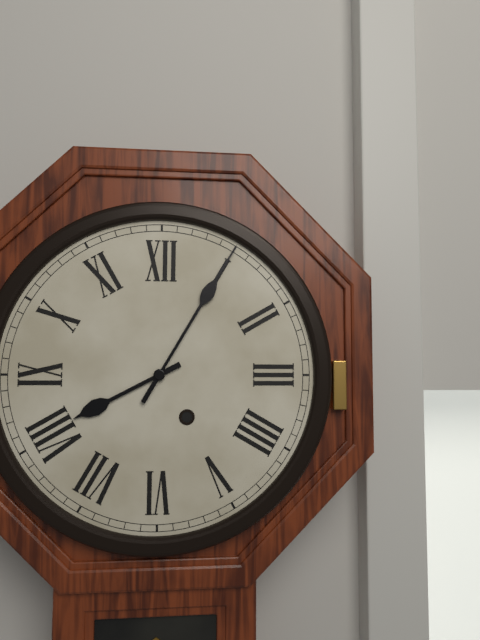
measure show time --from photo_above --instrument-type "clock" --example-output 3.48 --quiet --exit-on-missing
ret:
8.05
